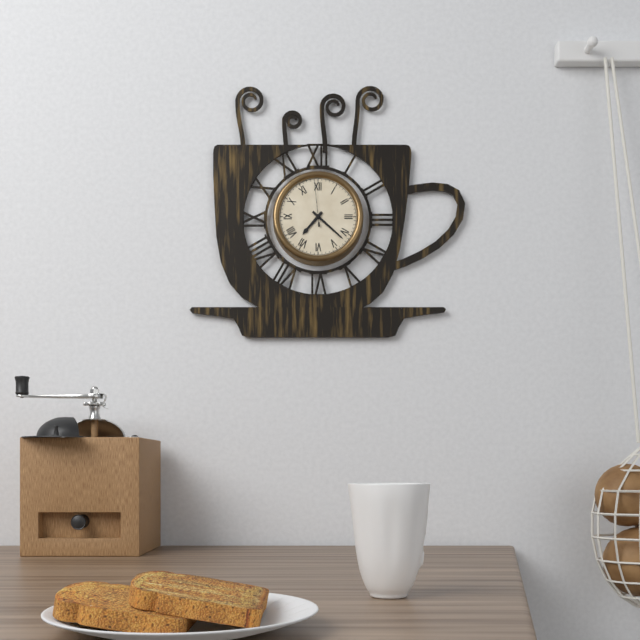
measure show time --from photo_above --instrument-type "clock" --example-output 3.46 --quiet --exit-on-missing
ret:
7.22
